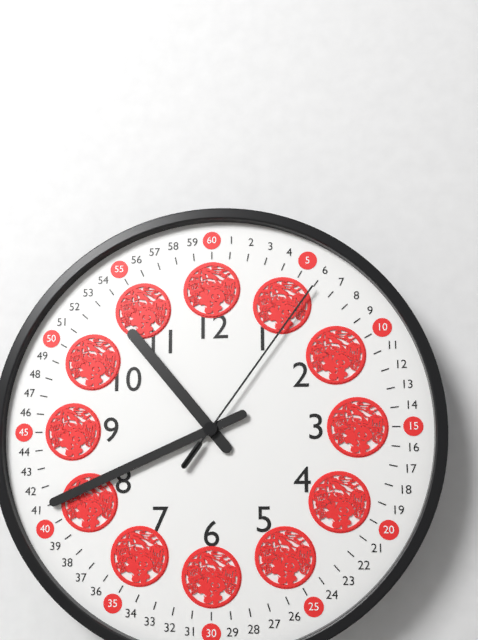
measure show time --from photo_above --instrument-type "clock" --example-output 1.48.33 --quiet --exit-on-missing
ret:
10.41.06
